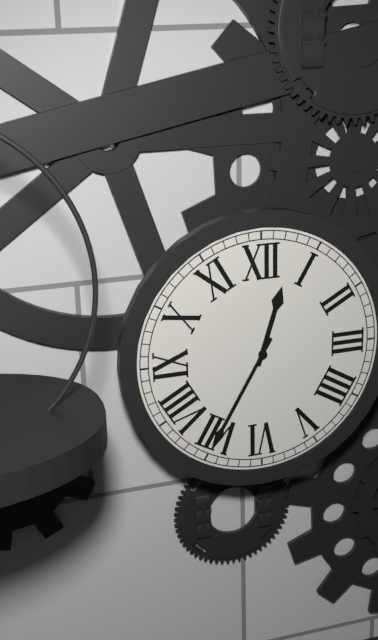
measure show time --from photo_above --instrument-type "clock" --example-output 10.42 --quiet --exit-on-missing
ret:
12.35
